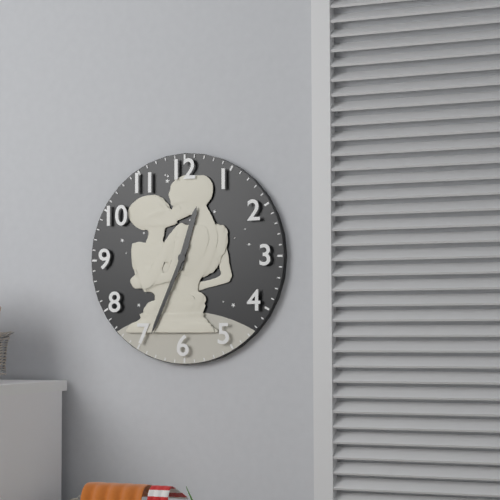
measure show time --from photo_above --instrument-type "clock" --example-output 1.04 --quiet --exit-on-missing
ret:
12.34
